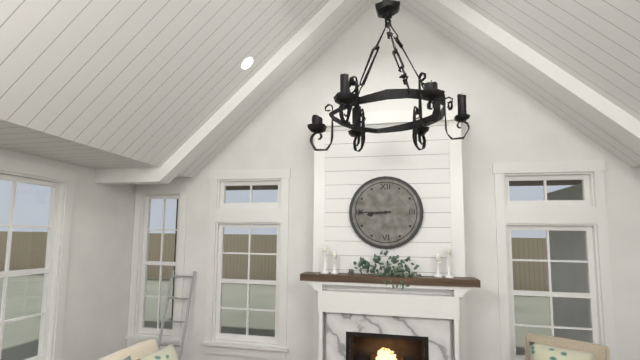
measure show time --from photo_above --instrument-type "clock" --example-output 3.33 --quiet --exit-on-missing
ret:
8.45
